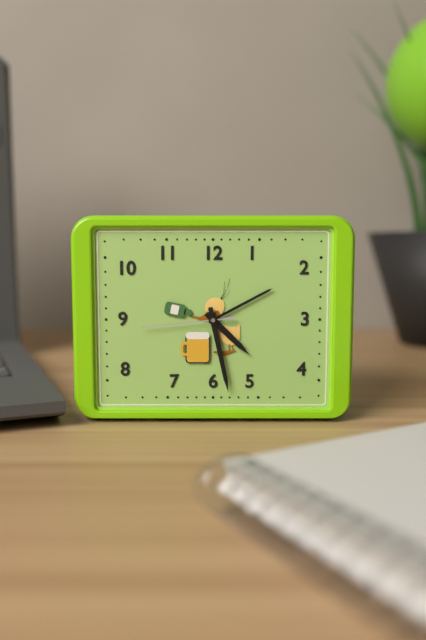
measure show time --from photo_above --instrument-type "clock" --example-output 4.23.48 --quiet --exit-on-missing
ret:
4.28.44
